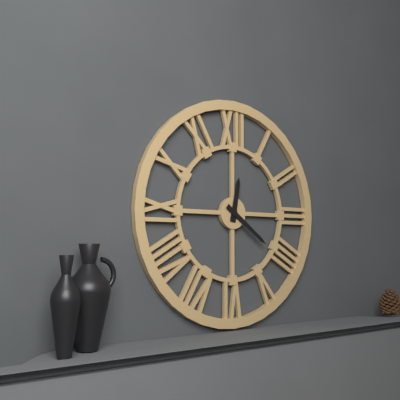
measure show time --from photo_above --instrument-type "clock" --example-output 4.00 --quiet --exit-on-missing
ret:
12.21
